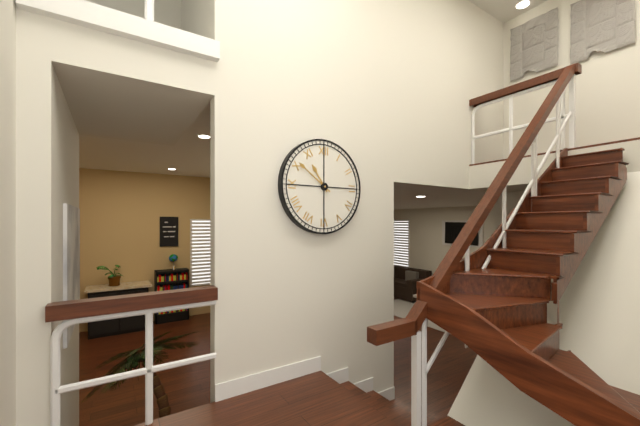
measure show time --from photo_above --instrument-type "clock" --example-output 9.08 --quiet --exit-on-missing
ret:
10.51
